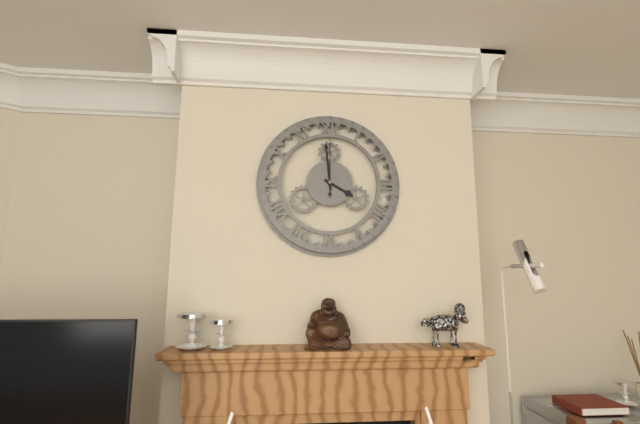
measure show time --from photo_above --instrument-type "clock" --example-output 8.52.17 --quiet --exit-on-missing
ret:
3.59.00
